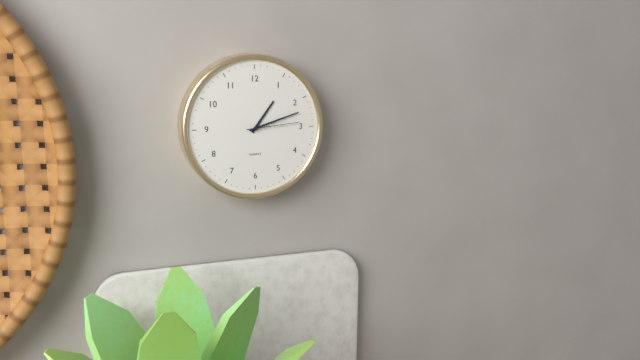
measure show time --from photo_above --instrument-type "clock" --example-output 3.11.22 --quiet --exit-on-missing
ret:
1.12.14
